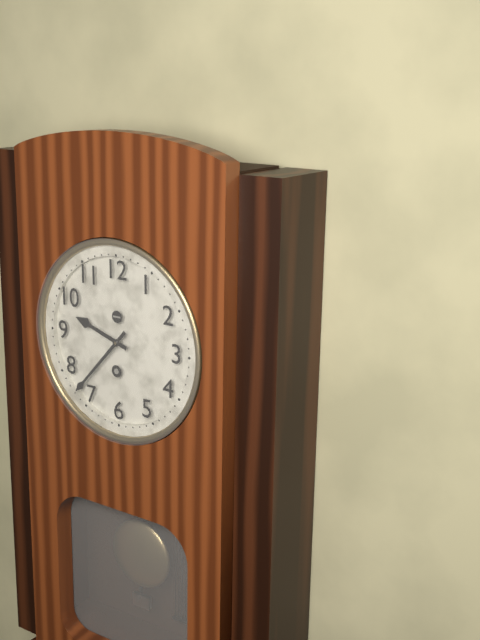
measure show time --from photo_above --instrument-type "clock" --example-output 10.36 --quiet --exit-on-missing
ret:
9.37
